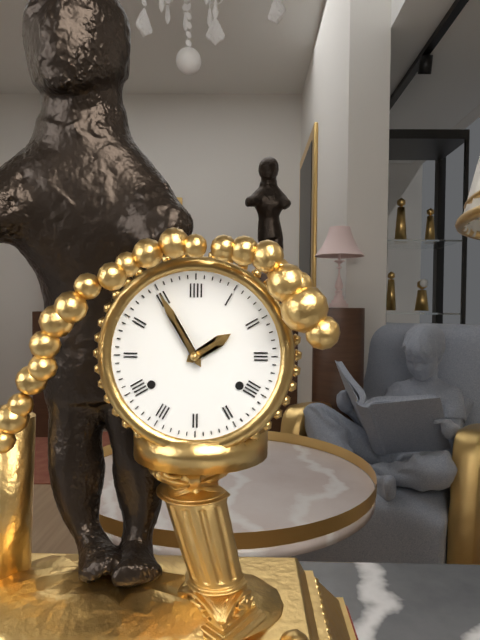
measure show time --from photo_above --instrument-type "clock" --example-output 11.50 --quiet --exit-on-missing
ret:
1.55
